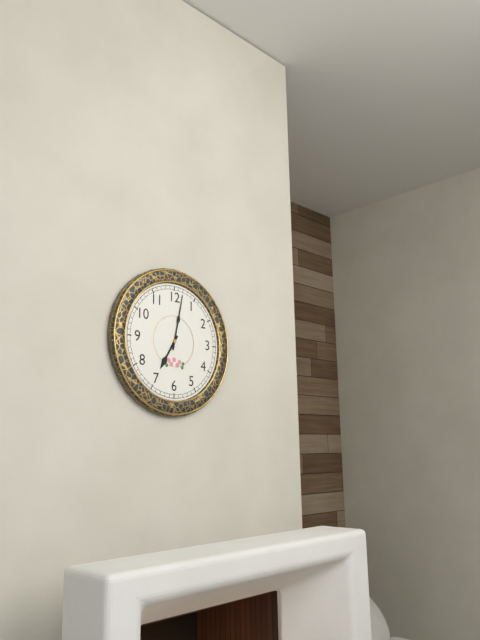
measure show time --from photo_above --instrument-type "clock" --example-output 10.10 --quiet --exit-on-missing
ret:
7.02
